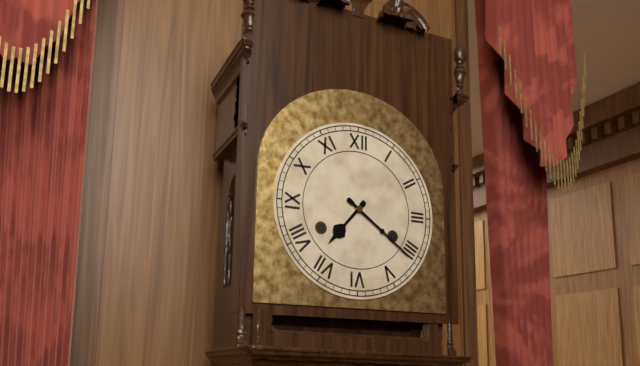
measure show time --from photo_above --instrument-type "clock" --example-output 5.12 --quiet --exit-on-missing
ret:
7.21
